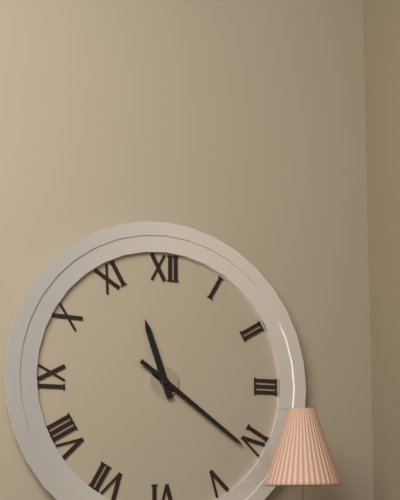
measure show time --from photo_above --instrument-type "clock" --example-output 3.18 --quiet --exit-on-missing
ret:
11.21
